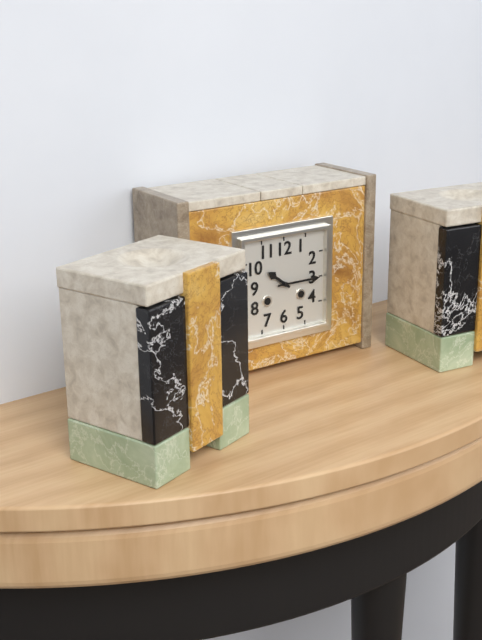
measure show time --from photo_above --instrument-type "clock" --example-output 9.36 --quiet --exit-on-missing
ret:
10.15
